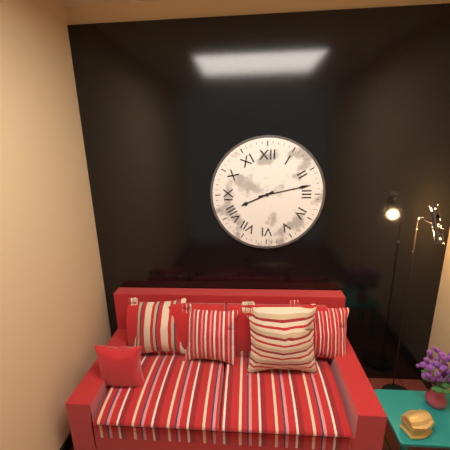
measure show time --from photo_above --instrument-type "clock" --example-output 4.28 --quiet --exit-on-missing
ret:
8.13
